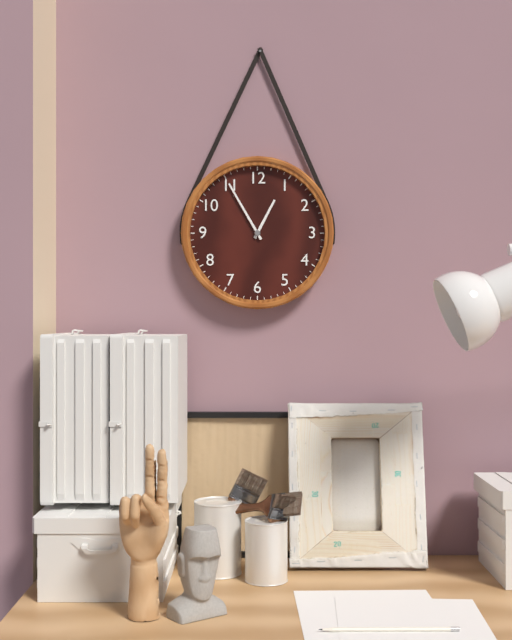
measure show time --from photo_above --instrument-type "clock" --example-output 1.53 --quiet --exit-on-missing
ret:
12.55
